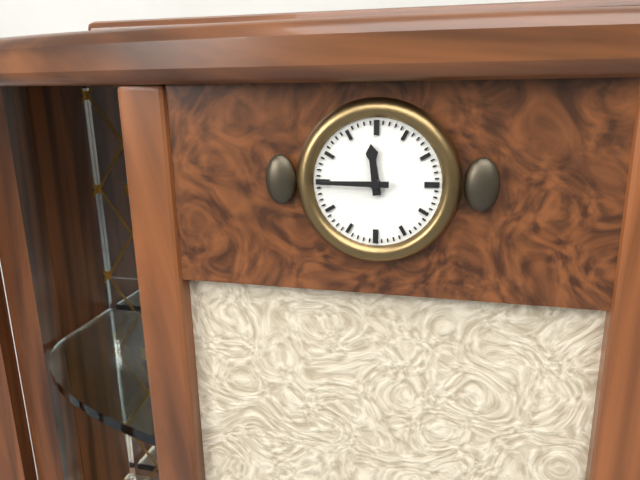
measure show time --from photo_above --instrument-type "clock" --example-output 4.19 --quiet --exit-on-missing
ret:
11.45
